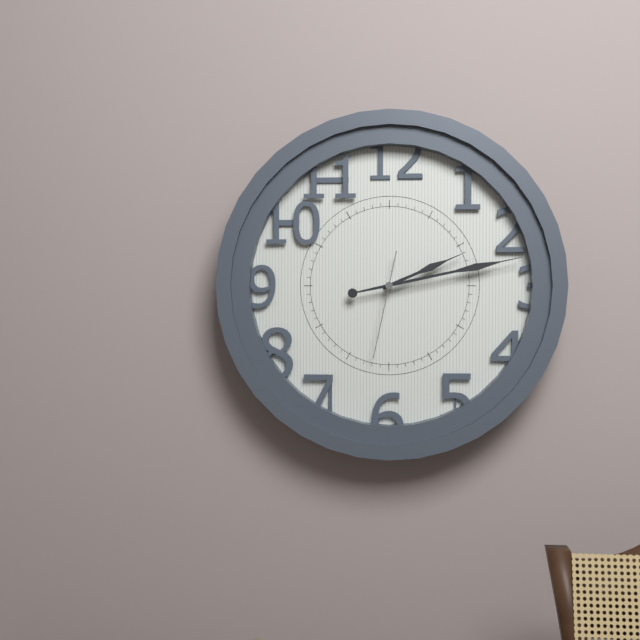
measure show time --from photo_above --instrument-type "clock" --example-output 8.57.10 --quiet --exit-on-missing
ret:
2.13.32
